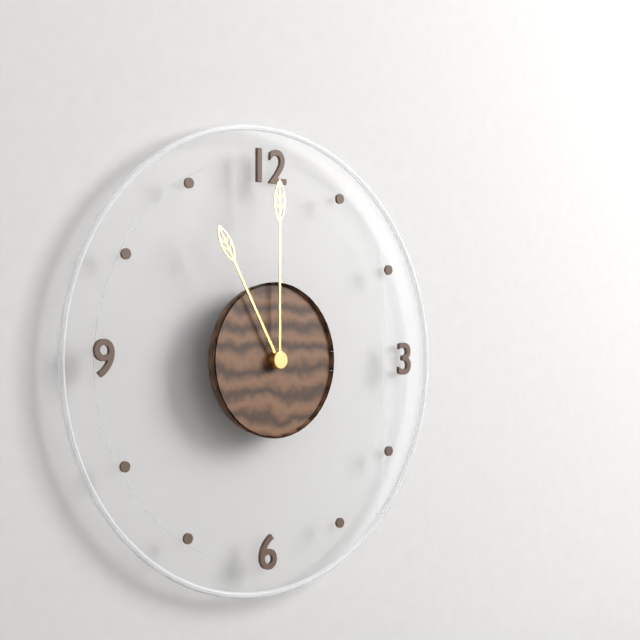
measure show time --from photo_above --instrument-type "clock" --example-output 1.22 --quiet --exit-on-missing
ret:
11.00
